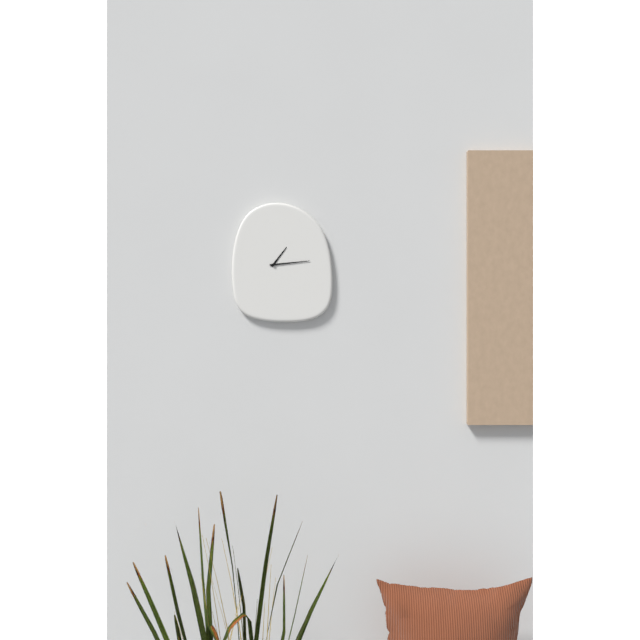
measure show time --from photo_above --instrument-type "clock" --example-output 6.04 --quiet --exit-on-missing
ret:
1.14
